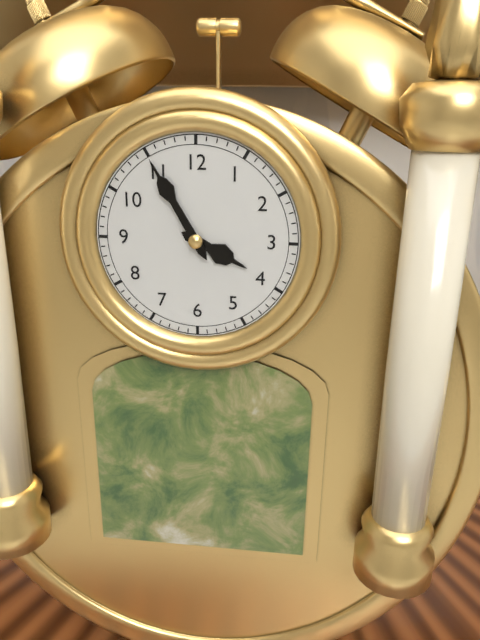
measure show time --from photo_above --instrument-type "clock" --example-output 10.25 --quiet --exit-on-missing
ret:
3.55
